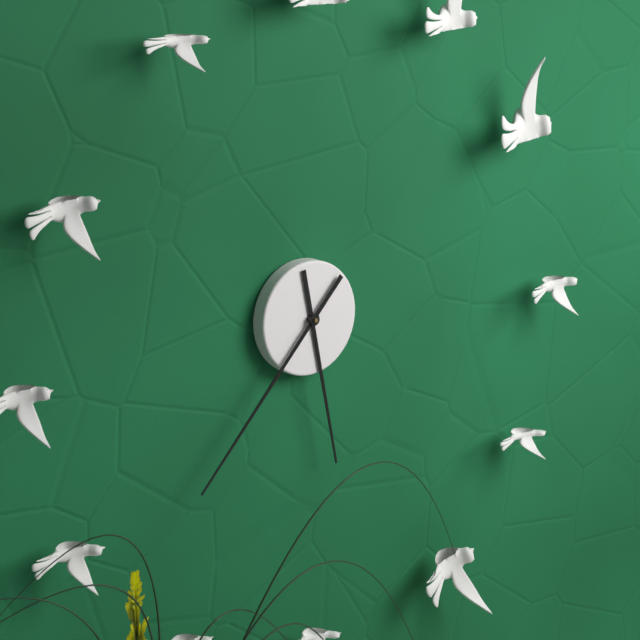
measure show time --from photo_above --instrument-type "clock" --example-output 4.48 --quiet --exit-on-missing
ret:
5.37
